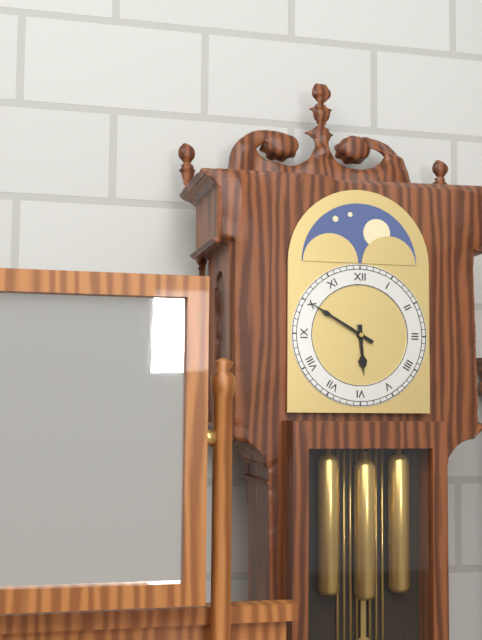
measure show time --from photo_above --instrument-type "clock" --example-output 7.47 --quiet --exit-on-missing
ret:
5.50
